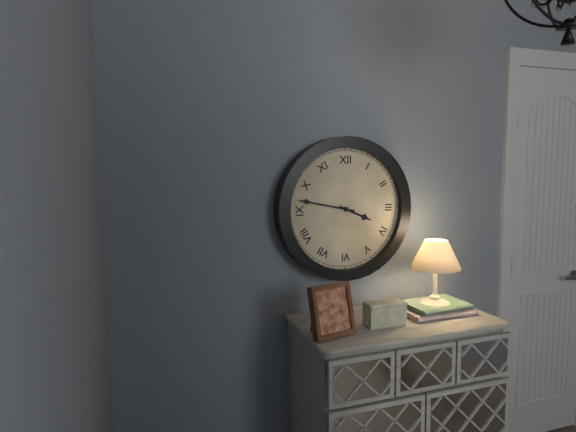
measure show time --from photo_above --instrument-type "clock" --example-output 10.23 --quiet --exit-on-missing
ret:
3.47
